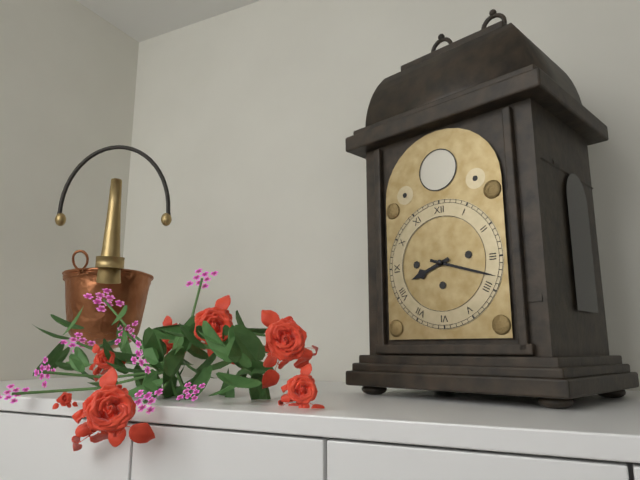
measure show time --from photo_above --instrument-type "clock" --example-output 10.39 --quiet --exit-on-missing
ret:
8.18
